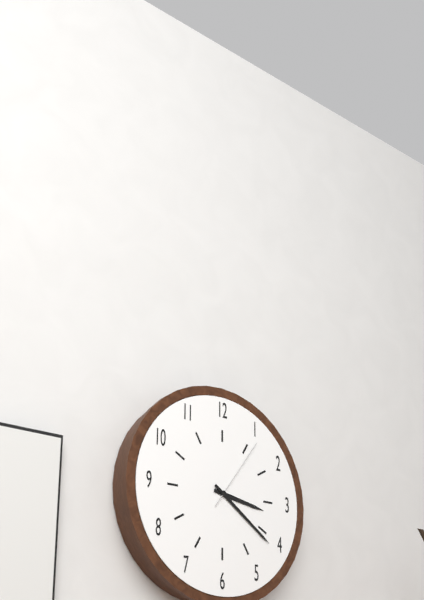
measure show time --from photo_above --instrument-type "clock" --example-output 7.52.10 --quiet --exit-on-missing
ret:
3.21.06
